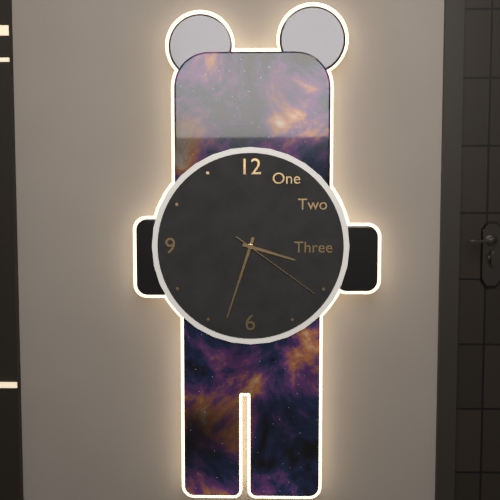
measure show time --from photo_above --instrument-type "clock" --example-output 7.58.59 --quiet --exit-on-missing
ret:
3.33.21
